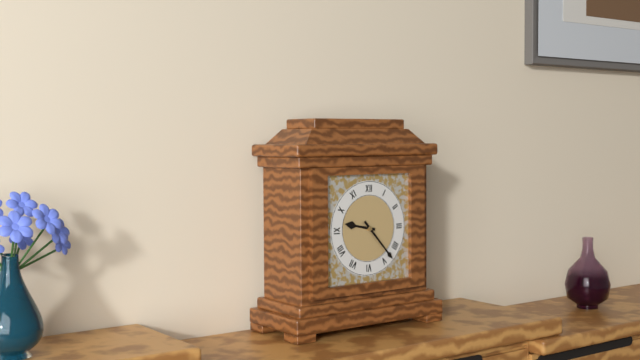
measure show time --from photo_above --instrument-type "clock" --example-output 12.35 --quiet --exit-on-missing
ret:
9.23
